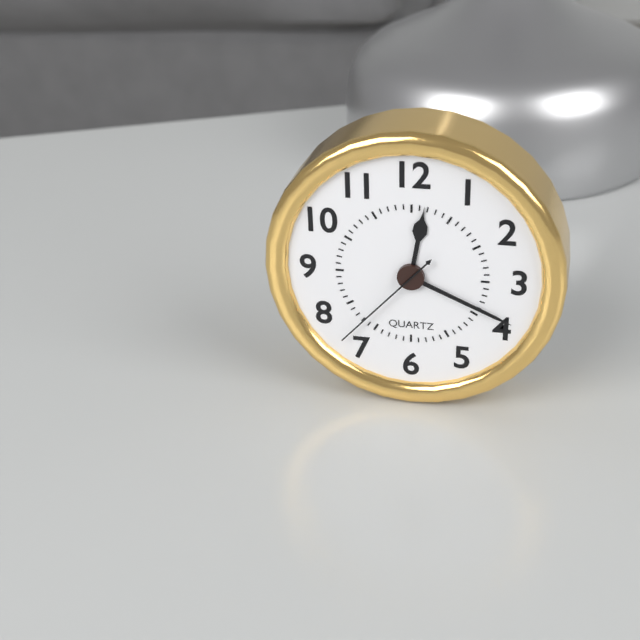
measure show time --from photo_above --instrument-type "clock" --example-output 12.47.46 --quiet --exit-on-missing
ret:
12.19.37
